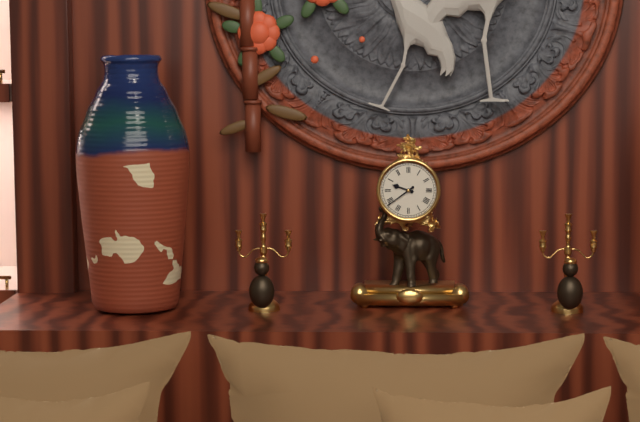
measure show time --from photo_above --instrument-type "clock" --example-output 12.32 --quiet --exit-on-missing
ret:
9.39
